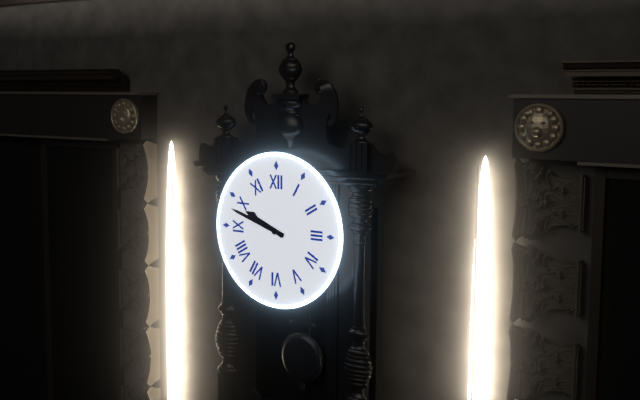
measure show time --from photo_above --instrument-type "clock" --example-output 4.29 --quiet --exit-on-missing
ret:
9.48
